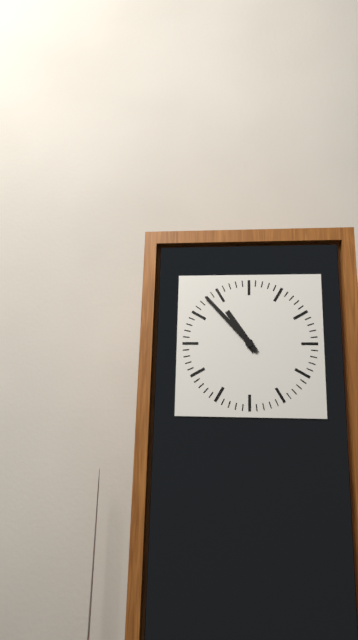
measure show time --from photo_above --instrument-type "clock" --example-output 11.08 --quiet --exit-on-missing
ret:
10.53
